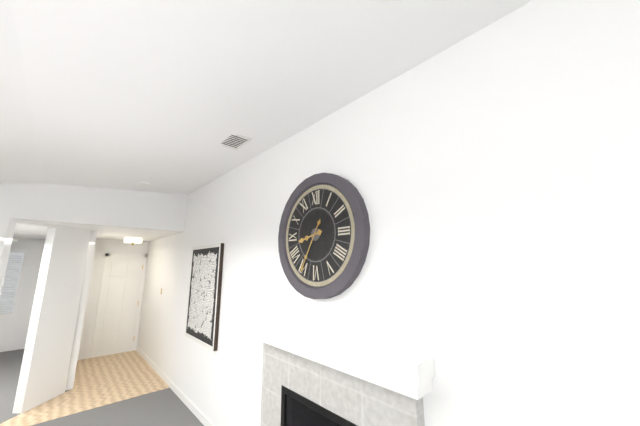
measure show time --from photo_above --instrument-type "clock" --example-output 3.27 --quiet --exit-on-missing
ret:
8.35
